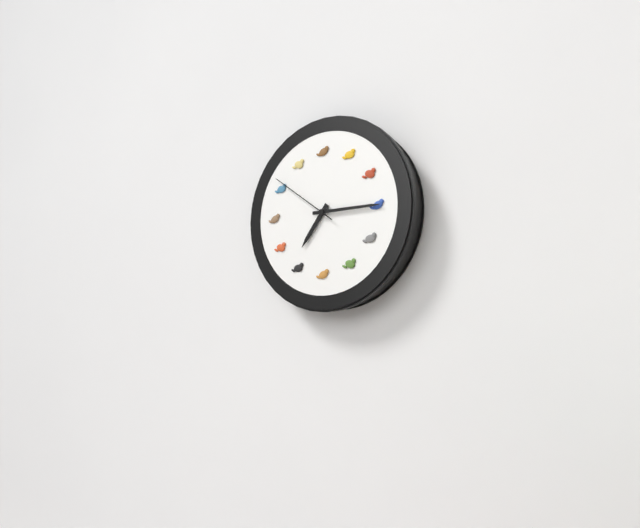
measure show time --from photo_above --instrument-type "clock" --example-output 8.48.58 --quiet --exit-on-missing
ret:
7.15.51
